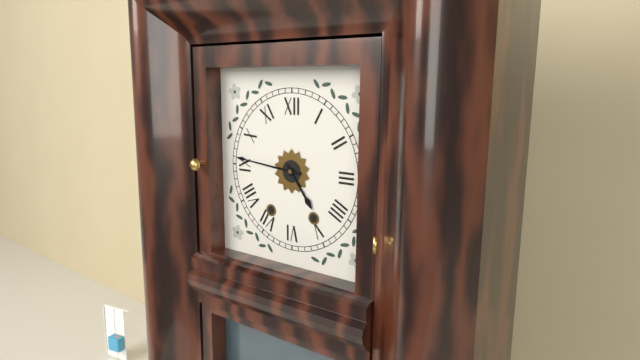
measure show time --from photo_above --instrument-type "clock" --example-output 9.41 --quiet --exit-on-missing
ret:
4.46
